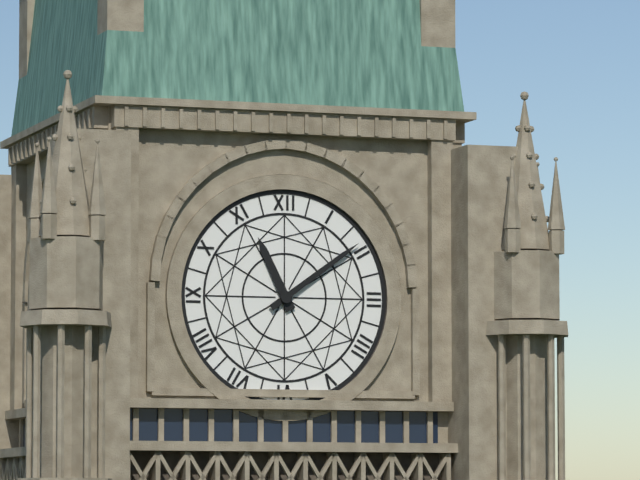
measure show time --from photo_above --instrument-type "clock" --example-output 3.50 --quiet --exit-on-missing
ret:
11.09
